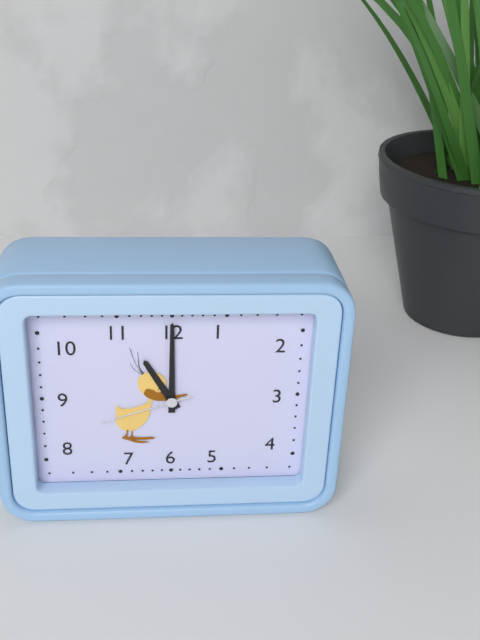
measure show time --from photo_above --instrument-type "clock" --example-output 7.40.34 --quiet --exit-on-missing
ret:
11.00.42
